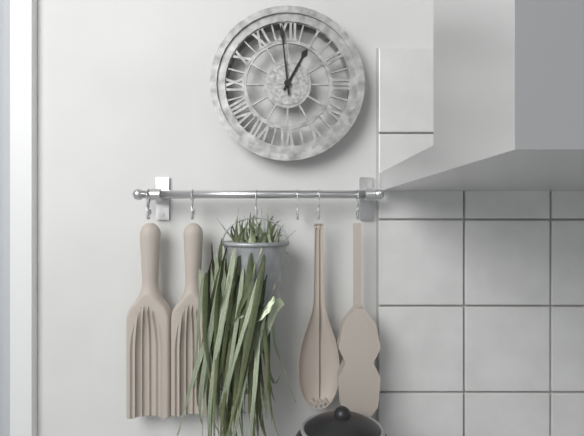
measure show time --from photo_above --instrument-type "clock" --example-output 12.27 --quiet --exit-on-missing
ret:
12.59
